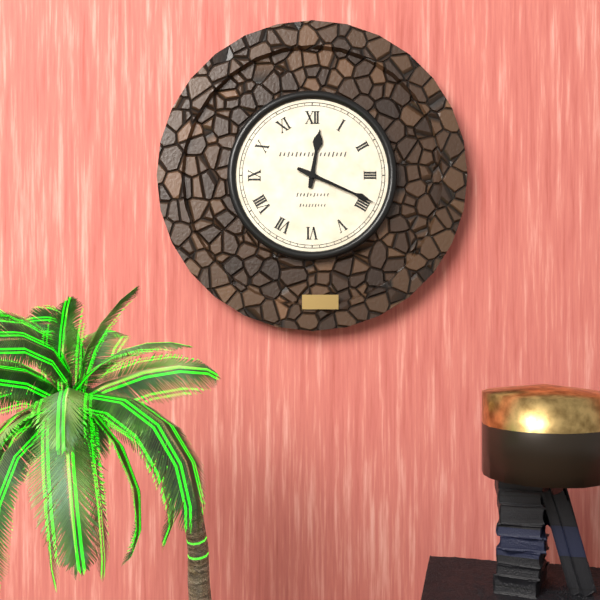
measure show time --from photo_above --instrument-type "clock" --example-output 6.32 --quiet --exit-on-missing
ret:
12.19
